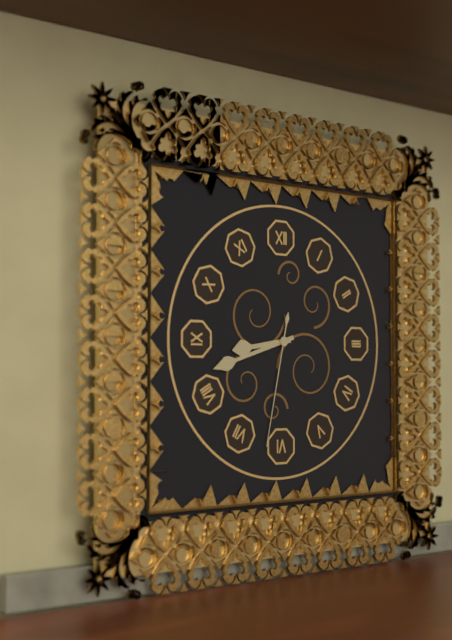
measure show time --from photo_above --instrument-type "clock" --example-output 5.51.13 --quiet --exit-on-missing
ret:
8.42.32
